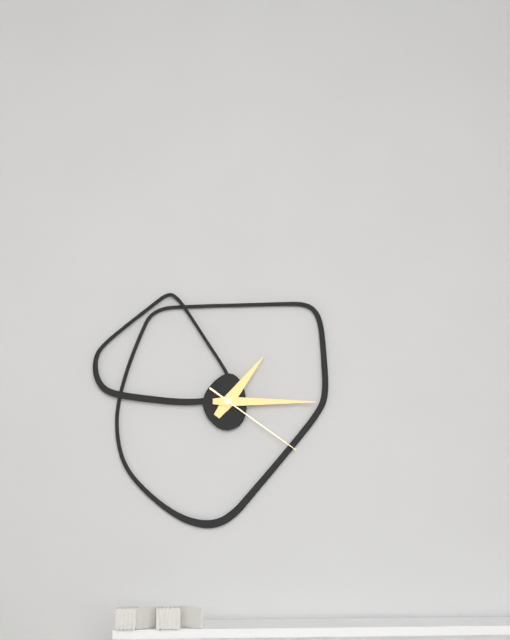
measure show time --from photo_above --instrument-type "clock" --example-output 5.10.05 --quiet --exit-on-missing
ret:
1.15.21
